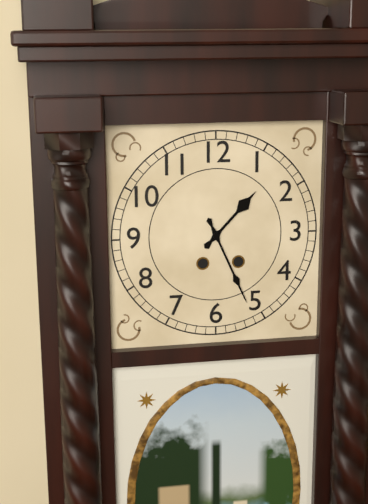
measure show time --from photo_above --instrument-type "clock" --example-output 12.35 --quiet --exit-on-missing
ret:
1.26
